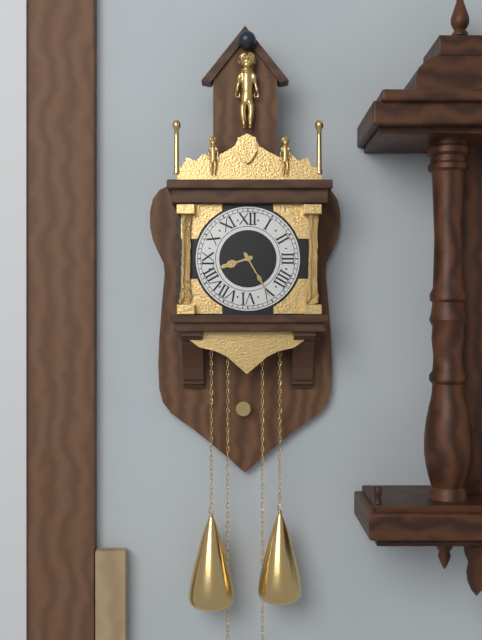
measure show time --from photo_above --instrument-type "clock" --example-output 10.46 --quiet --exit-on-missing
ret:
8.25
